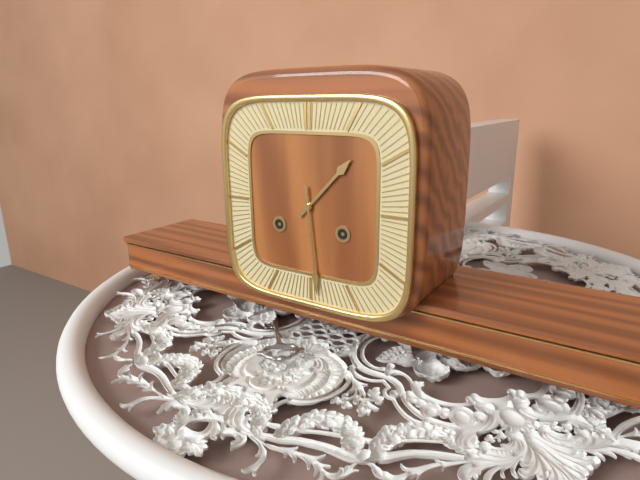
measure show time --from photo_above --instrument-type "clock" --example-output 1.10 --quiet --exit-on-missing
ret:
1.29
